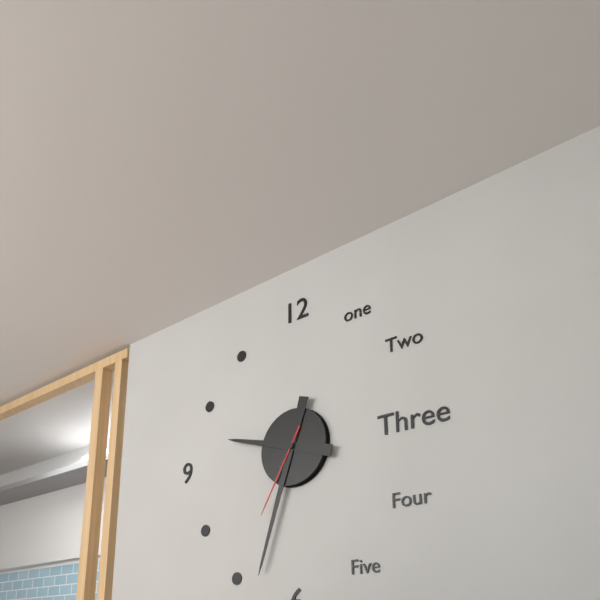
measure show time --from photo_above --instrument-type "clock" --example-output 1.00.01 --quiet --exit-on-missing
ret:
9.33.35
